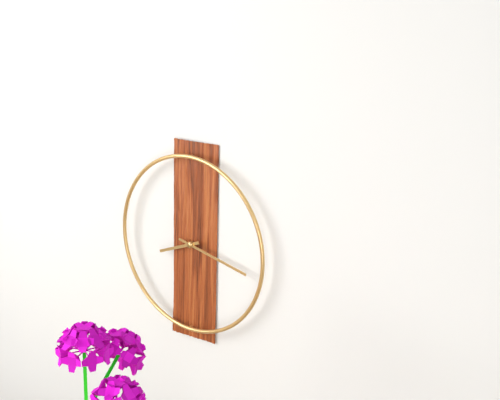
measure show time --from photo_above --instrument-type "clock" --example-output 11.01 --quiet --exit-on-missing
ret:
8.17
